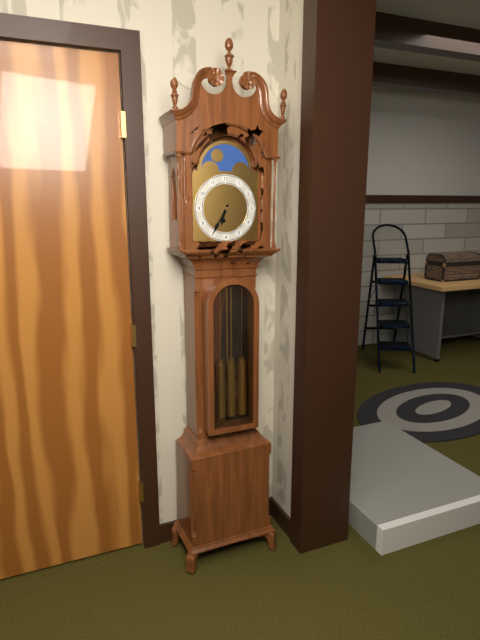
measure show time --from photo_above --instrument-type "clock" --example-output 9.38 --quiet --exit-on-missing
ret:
6.35
